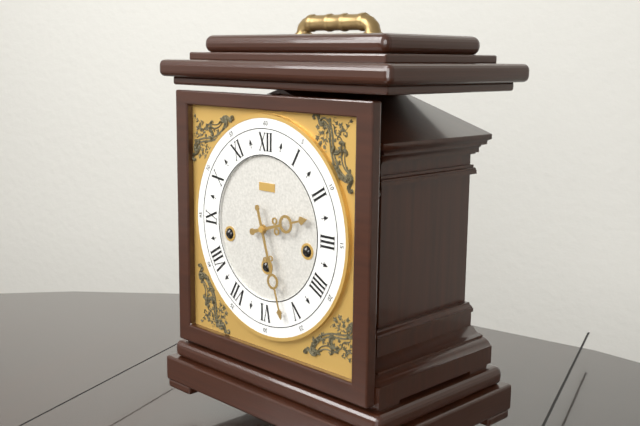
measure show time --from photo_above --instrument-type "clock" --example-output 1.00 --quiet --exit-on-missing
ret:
2.27
